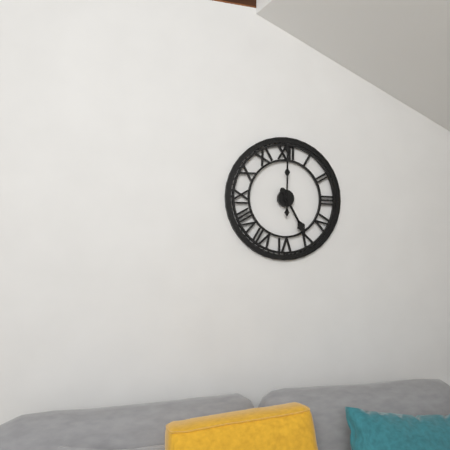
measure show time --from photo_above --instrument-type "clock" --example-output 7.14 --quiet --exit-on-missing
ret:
5.00
